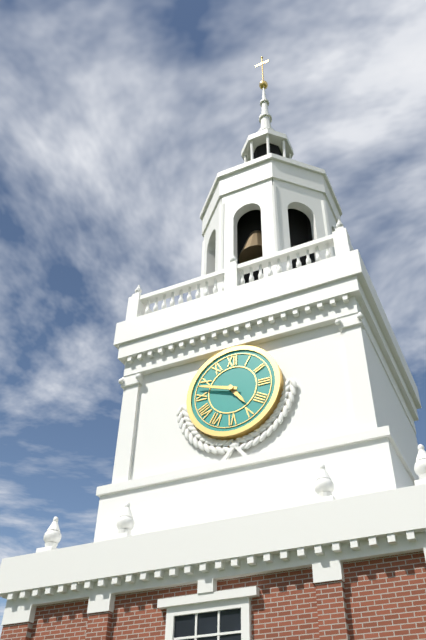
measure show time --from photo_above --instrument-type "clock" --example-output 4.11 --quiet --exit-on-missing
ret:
4.48
